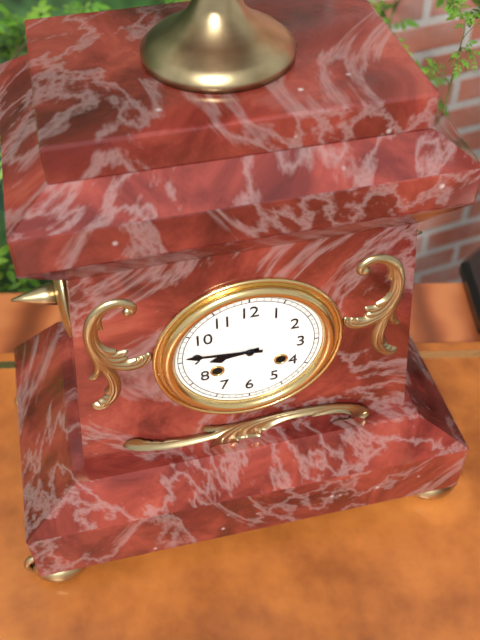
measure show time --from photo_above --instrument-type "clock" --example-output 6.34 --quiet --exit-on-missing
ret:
8.46
